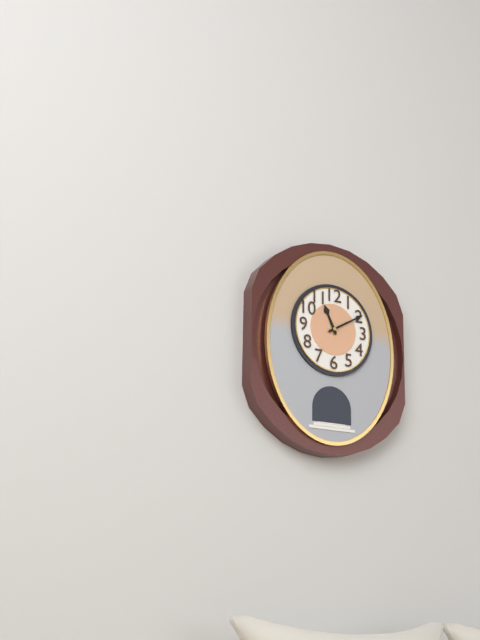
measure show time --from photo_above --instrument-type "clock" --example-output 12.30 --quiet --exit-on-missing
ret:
11.10
